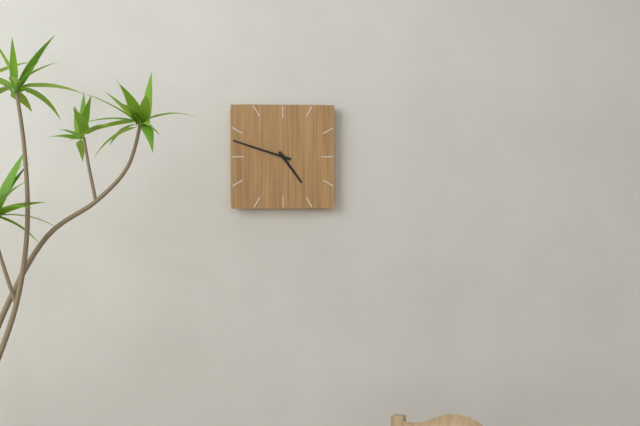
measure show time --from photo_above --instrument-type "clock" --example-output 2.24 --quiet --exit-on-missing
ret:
4.48
